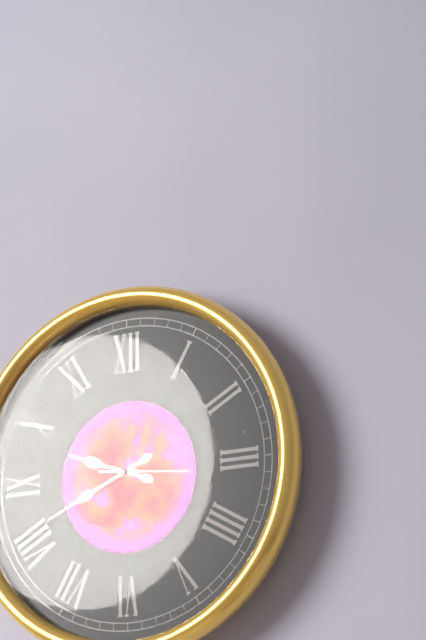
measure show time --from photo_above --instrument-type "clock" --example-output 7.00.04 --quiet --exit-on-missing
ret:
9.41.16
